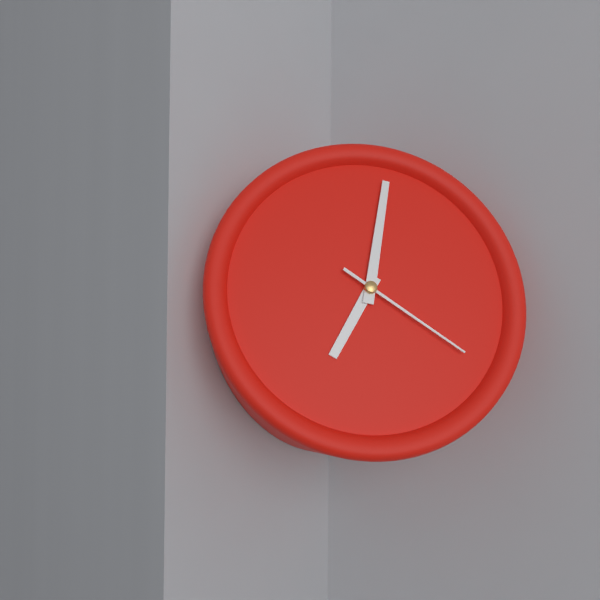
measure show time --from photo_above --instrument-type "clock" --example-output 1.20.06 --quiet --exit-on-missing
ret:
7.02.21
